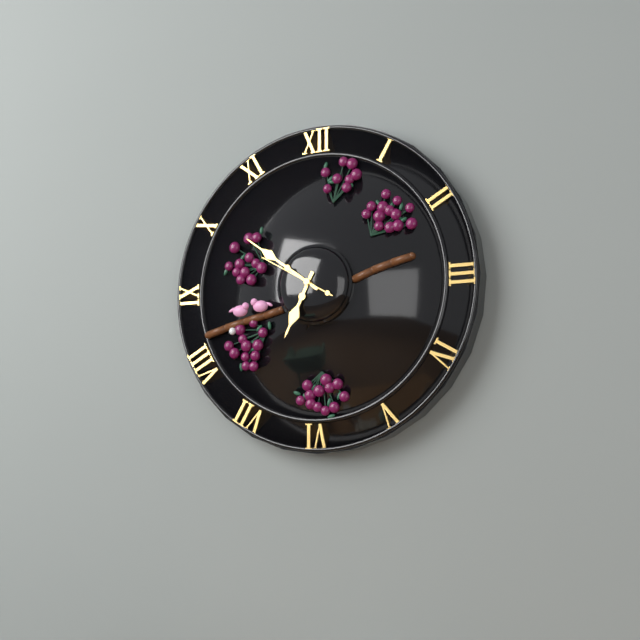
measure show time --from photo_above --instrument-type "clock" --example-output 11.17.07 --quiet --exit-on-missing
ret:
6.51.50
